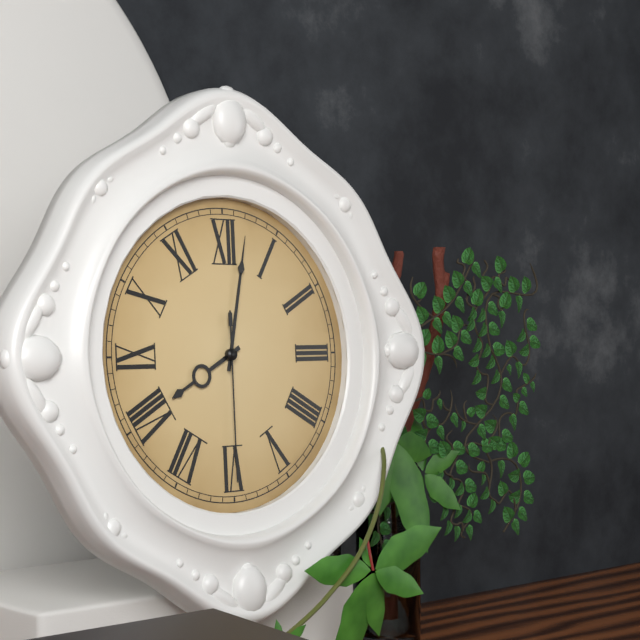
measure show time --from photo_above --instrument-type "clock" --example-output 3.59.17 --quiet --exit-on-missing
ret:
8.02.30
